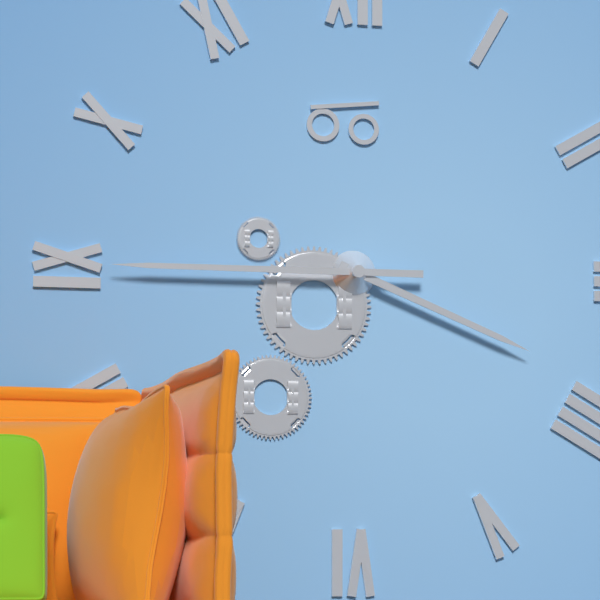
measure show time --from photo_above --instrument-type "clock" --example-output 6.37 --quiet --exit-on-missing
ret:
3.45
